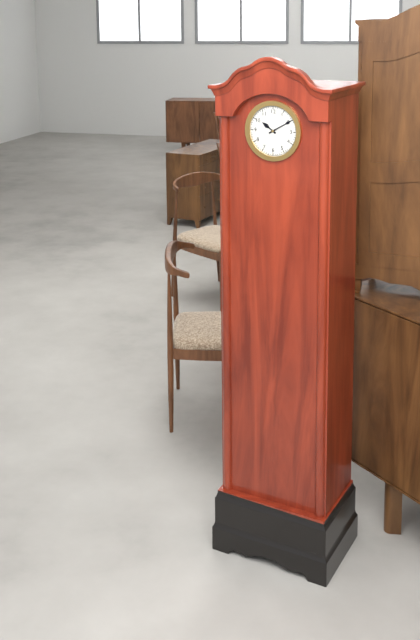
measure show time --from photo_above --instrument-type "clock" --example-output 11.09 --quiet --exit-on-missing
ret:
10.10
